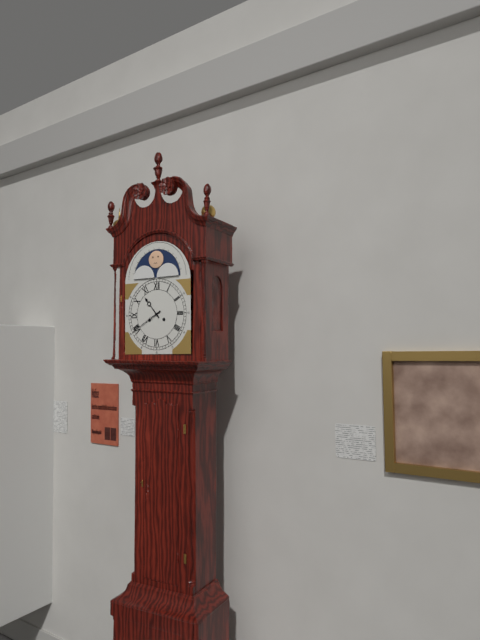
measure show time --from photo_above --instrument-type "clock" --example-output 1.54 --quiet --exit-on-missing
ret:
10.40
